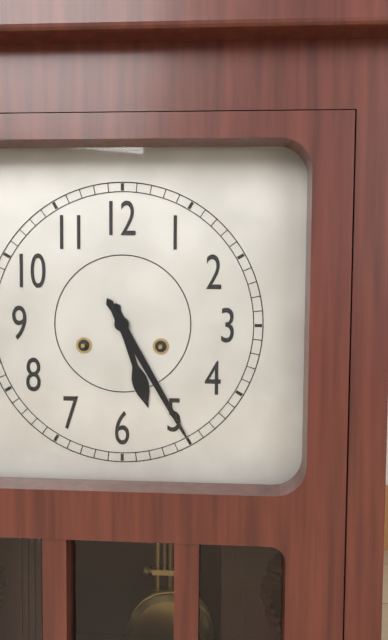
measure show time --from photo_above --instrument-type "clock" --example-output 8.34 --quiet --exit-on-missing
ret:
5.25
